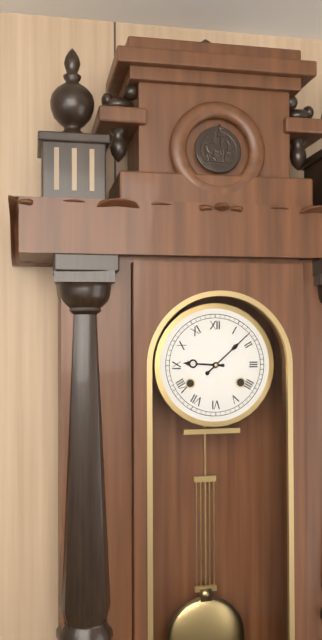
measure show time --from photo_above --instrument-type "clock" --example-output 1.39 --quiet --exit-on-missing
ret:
9.08
